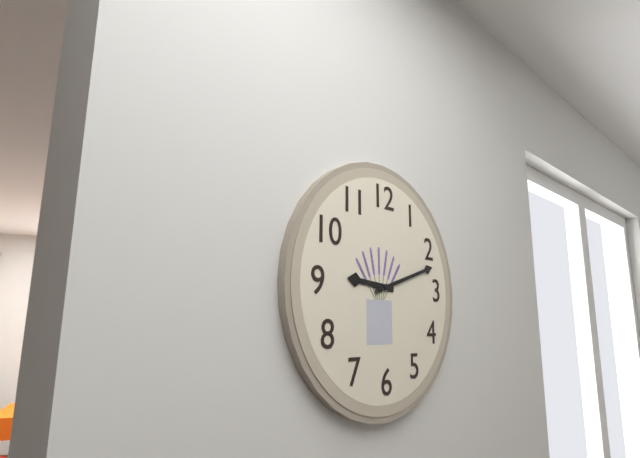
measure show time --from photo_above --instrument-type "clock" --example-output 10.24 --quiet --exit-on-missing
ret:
9.12
